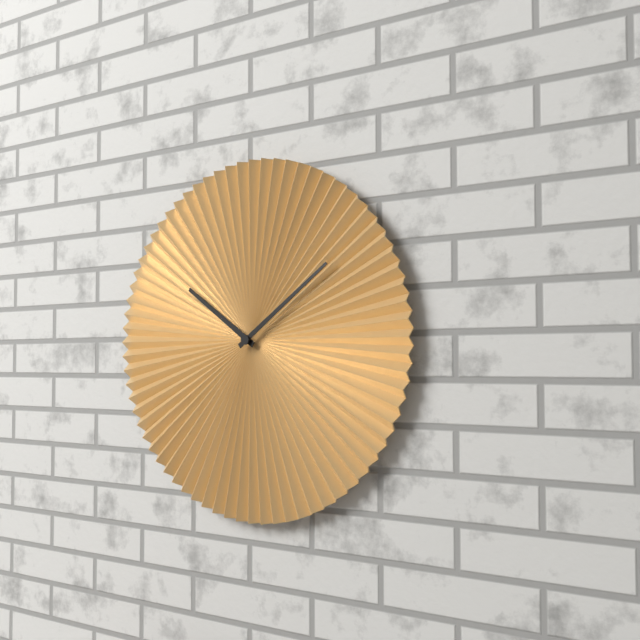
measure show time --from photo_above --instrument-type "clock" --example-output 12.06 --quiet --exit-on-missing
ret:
10.09
